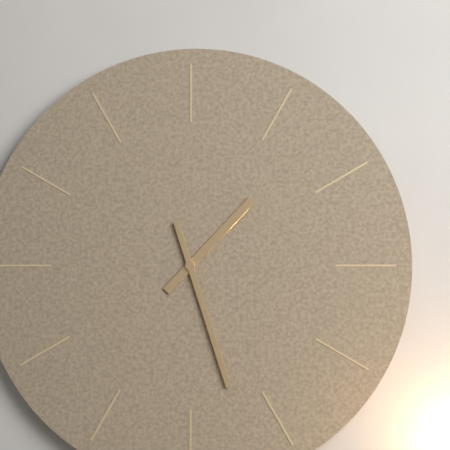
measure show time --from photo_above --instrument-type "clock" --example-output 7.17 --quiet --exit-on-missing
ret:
1.27
